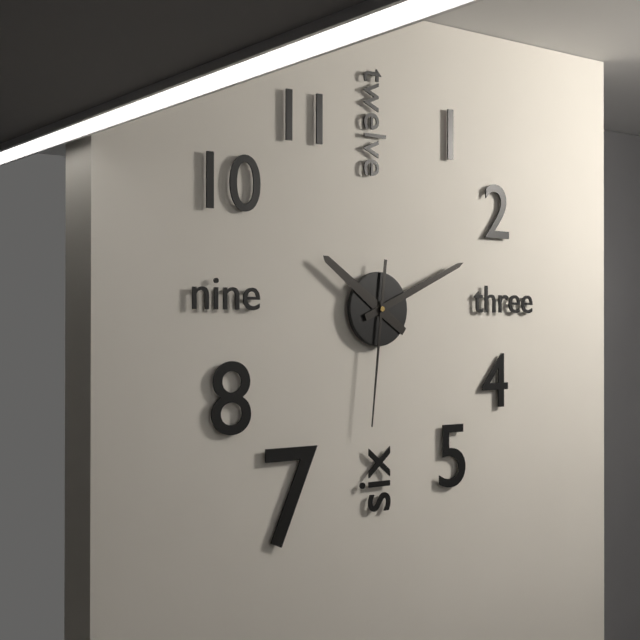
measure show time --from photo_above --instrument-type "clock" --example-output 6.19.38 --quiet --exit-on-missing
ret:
10.11.31
